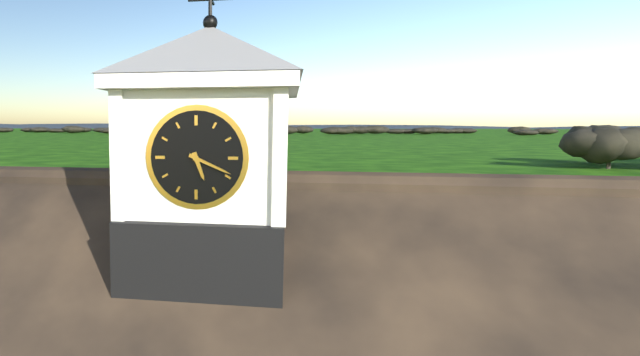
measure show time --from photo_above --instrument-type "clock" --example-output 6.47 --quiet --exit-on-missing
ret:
5.19
